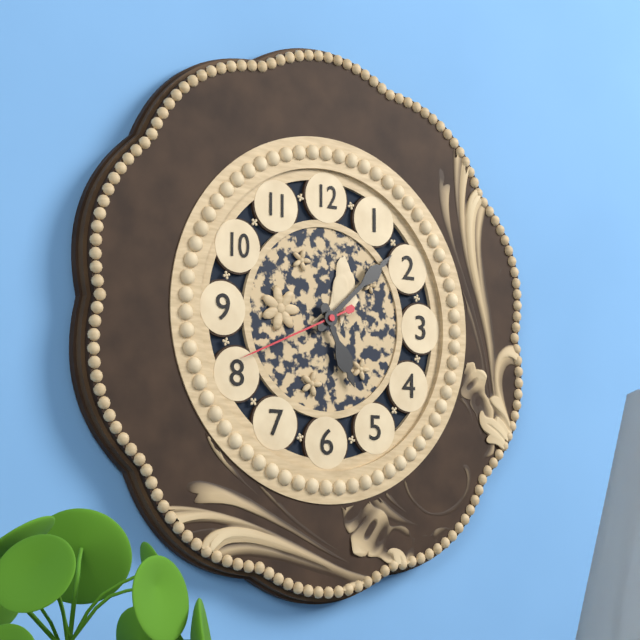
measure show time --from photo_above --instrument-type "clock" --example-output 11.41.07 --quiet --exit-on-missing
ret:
5.08.41
